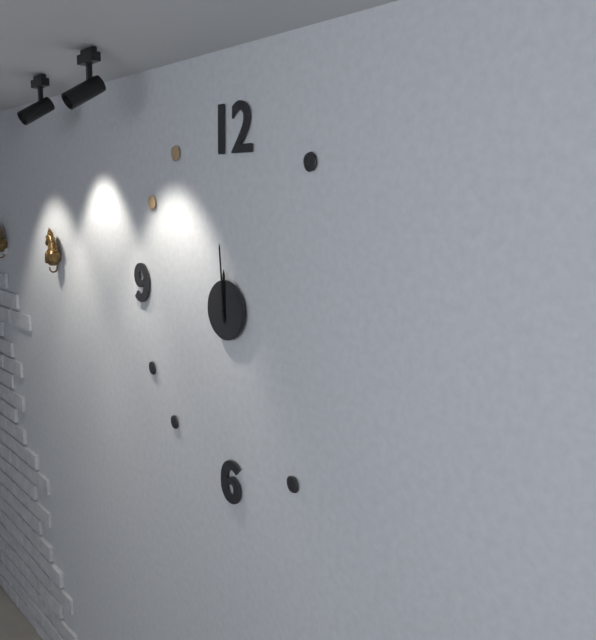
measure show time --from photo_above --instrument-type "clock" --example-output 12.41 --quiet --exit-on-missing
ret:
11.59
